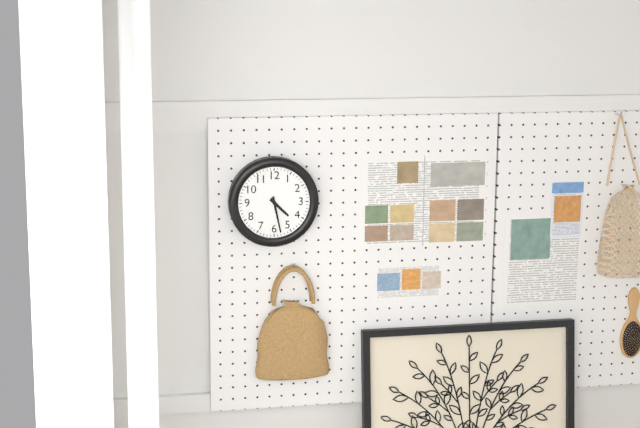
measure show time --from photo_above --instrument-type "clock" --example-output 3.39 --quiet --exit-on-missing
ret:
4.28
